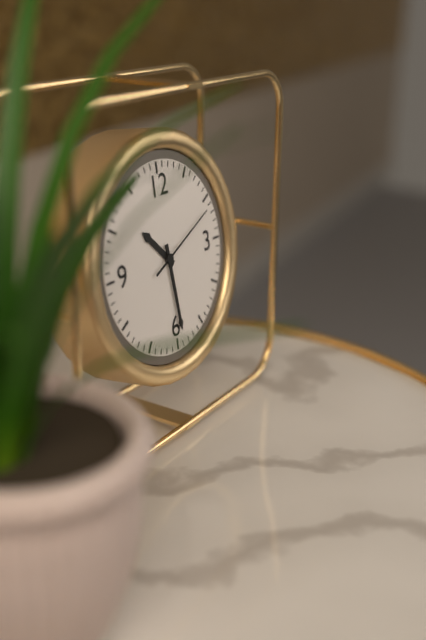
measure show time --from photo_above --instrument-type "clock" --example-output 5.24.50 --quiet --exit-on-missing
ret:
10.29.11
